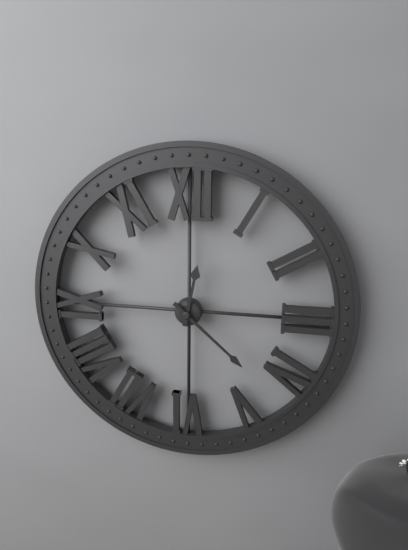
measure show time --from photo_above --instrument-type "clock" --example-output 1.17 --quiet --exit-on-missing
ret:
12.22
